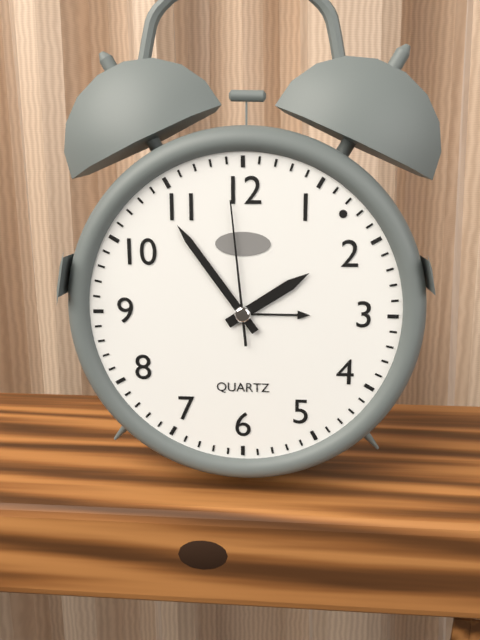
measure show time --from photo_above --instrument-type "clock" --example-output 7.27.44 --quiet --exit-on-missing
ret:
1.54.59
